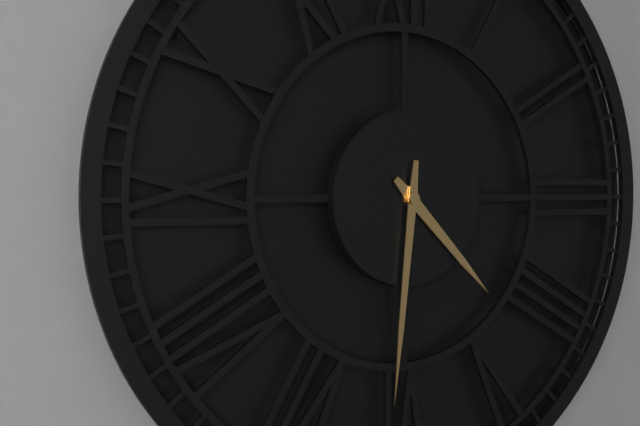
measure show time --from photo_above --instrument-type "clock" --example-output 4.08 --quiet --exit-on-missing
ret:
4.31
